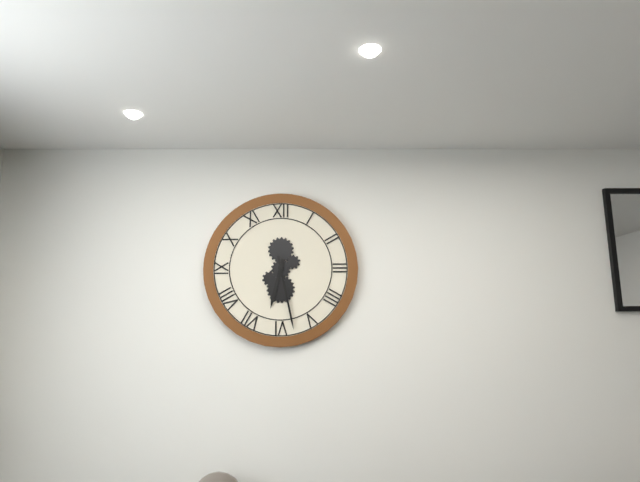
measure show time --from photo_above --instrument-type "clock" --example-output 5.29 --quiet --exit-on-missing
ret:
6.28
